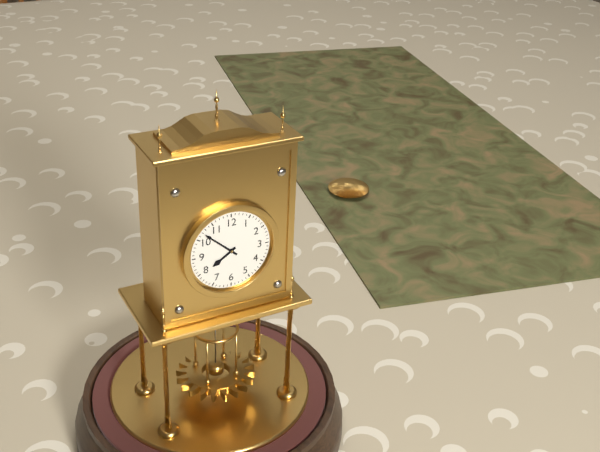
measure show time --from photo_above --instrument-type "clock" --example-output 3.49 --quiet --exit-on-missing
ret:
7.52
